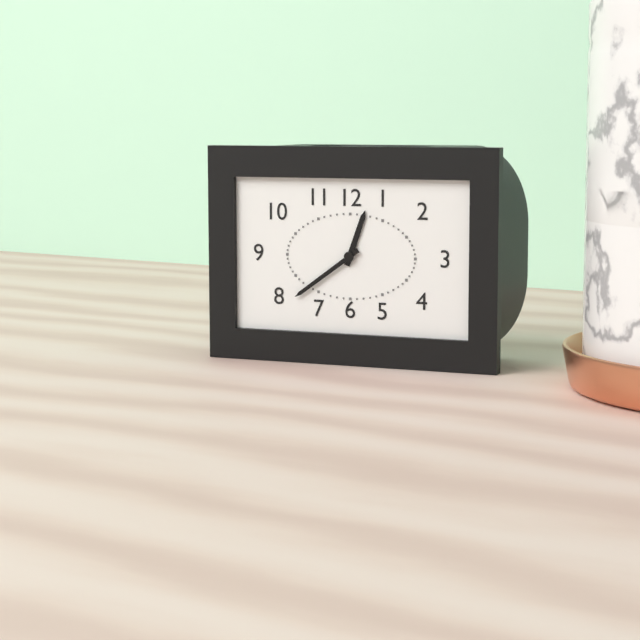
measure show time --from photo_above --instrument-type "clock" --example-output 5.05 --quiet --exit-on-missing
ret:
12.39
